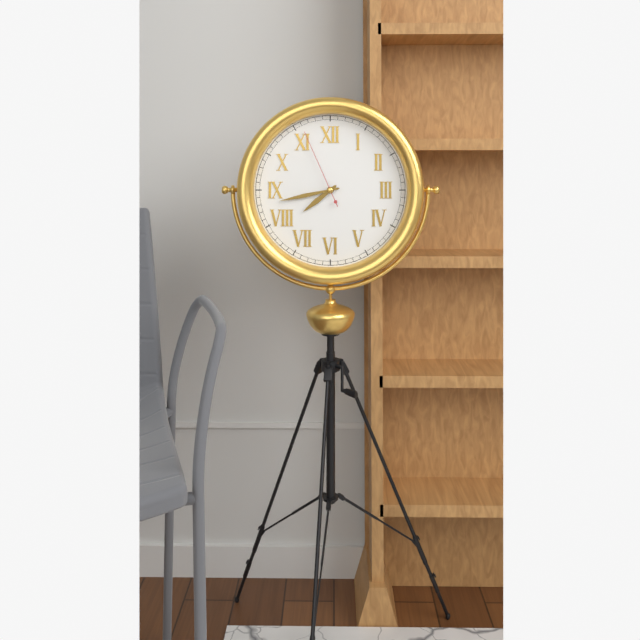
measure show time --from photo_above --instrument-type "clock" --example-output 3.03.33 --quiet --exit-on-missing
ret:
7.43.56
